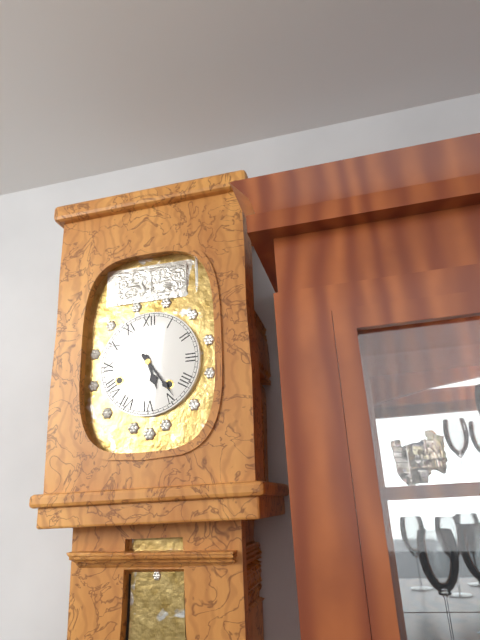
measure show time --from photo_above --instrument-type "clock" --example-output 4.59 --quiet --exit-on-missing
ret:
5.24
